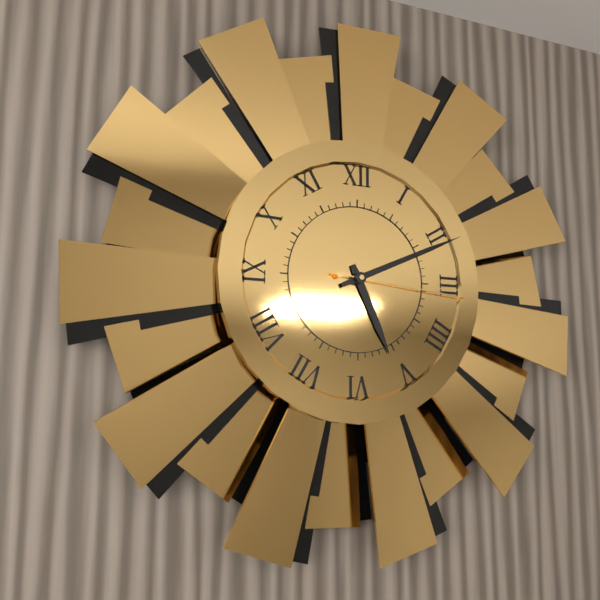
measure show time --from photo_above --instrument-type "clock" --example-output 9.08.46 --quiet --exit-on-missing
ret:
5.11.16
